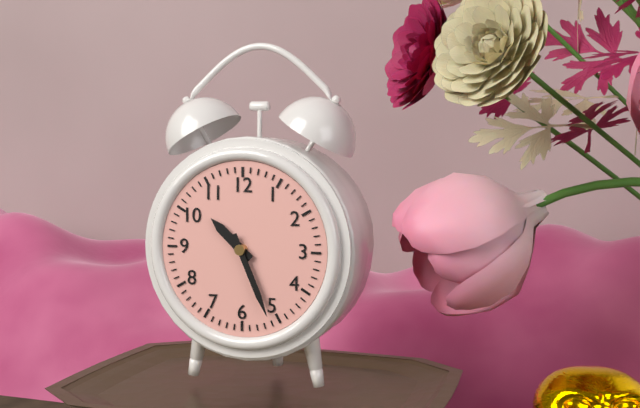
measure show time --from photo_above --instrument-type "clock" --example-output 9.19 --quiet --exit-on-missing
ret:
10.26
